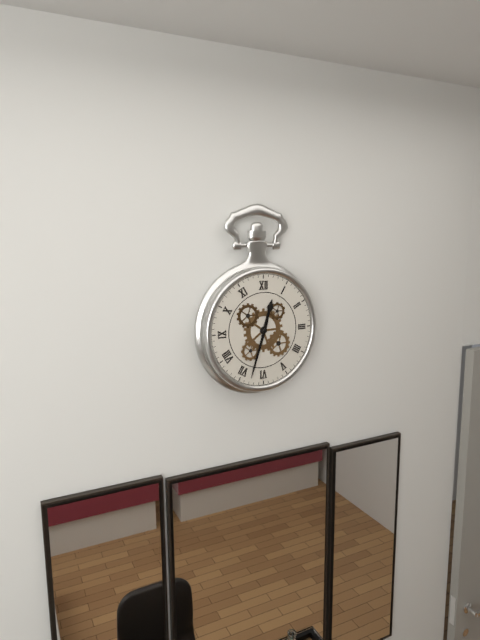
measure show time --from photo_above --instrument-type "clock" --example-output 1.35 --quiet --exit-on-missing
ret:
12.33
